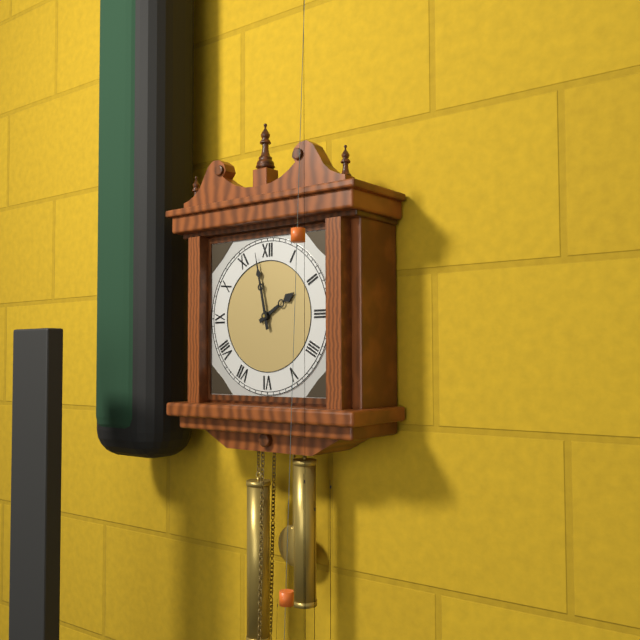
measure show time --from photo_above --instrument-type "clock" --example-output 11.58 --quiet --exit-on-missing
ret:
1.58
